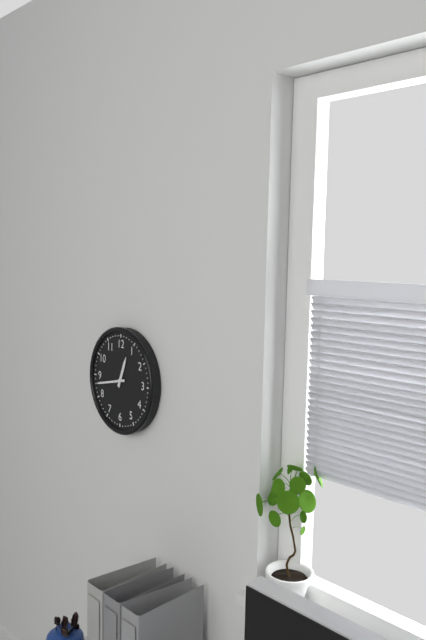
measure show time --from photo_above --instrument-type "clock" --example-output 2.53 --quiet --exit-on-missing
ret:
12.43
